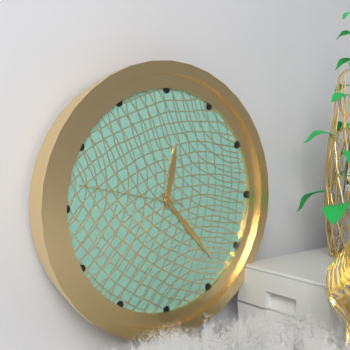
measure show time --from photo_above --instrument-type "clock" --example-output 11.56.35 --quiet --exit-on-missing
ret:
12.23.47
